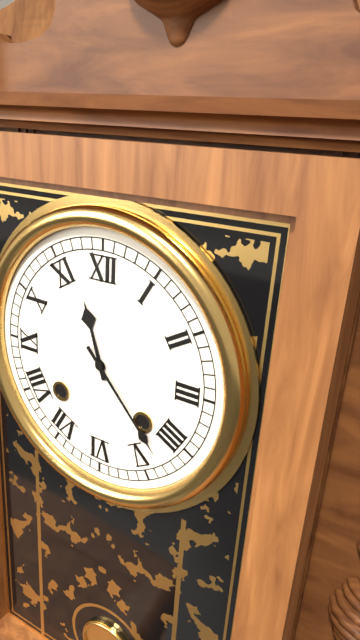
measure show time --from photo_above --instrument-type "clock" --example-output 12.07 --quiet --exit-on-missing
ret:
11.23
